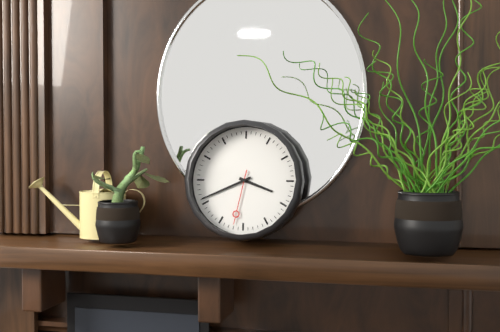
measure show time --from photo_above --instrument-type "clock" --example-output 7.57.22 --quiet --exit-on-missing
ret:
3.41.32
